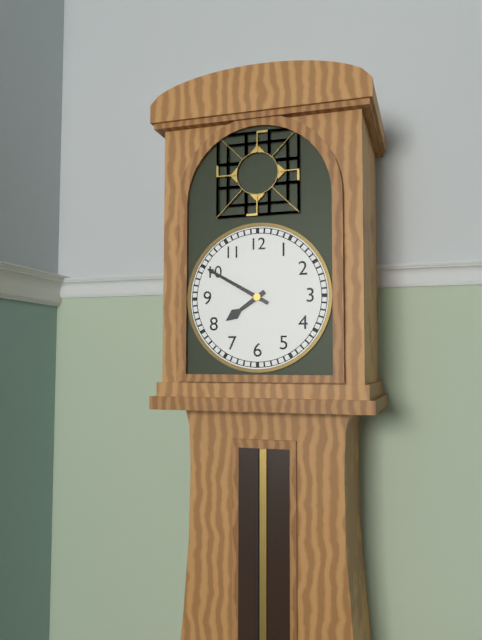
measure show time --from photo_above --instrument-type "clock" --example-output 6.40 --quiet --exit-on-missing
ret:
7.50
